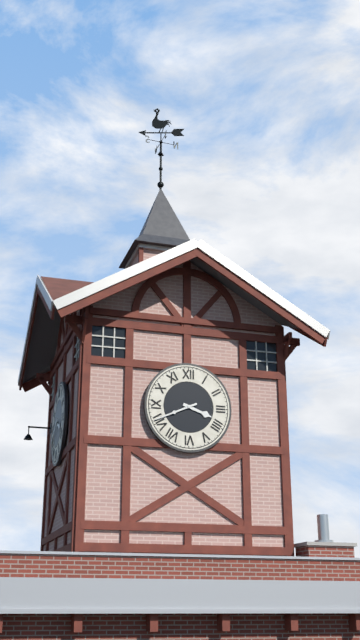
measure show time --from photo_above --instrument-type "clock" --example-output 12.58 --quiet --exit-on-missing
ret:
3.41
